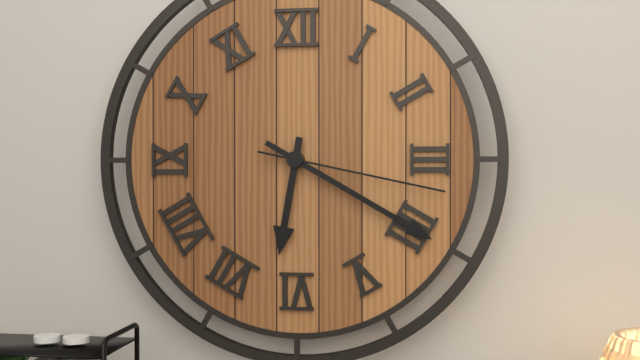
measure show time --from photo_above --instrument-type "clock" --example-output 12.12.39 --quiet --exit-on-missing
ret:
6.20.17
